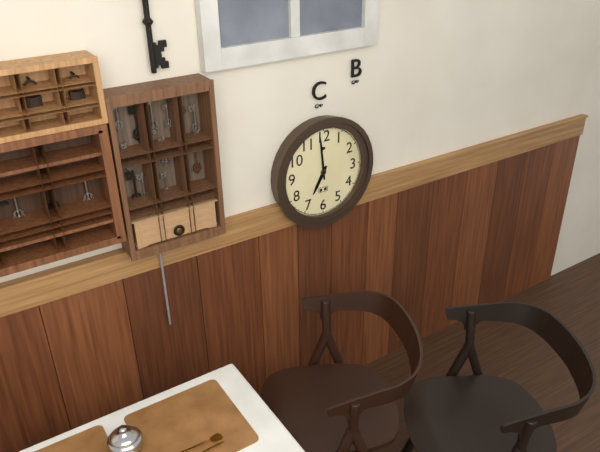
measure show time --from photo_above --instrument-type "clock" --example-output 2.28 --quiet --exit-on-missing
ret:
6.59
